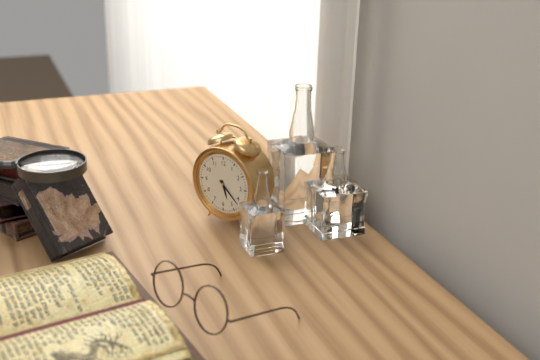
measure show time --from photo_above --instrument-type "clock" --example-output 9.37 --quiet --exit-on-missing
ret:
5.22
